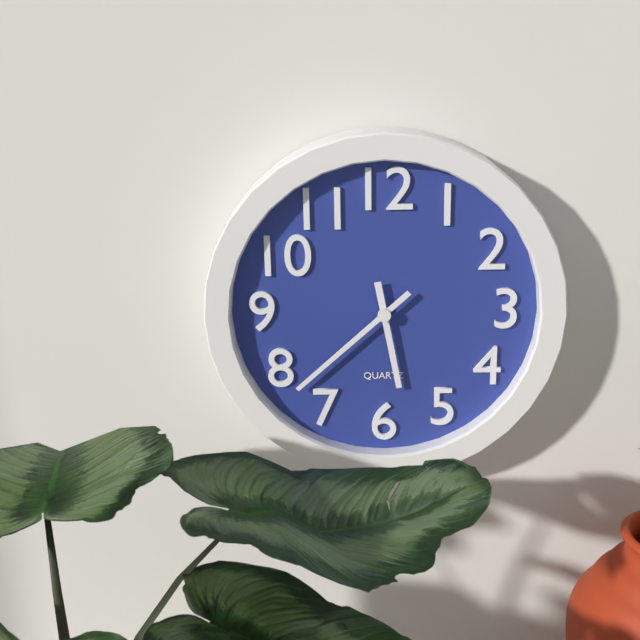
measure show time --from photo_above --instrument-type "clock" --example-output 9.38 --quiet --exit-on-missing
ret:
5.38
